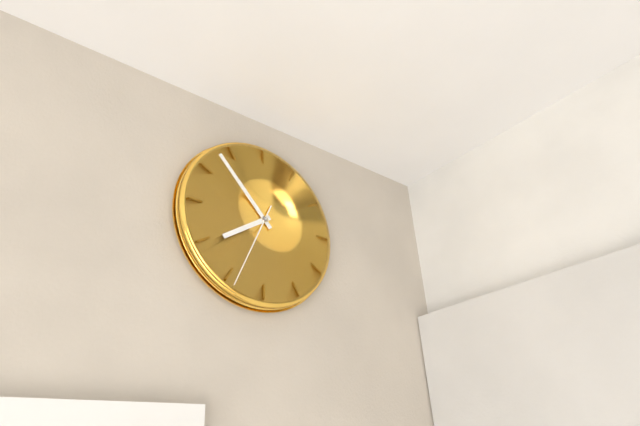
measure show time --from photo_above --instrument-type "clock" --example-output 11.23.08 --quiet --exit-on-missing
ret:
7.53.34
